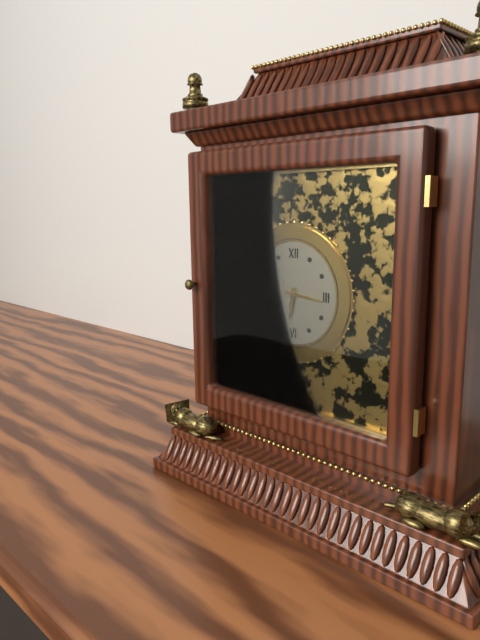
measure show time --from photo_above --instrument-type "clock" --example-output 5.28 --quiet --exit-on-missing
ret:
6.16
